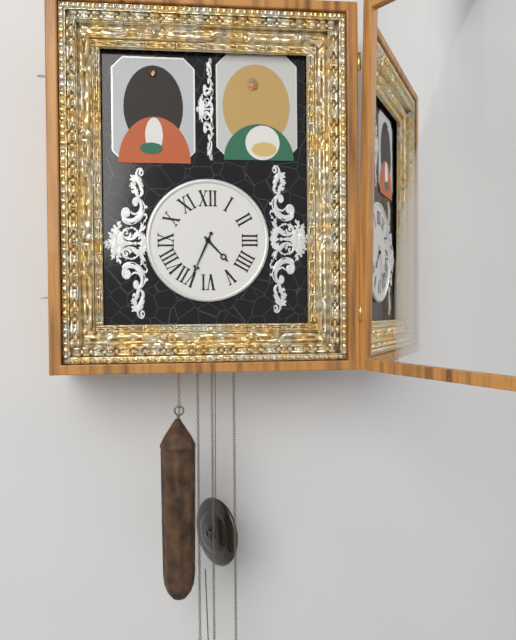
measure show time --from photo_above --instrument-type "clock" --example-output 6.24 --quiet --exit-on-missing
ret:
4.34
